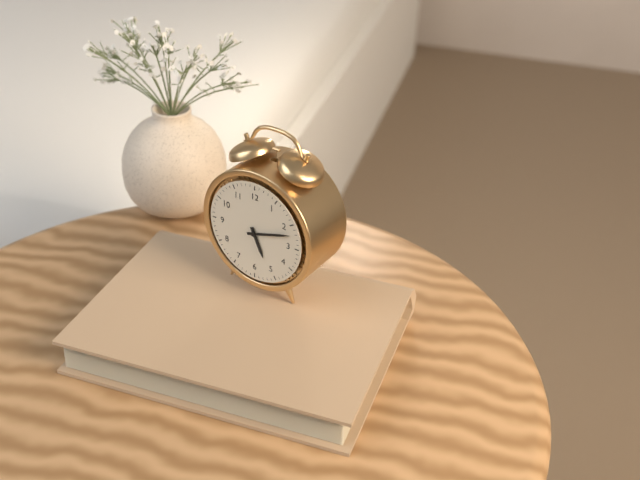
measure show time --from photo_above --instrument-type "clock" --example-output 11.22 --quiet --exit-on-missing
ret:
5.12
